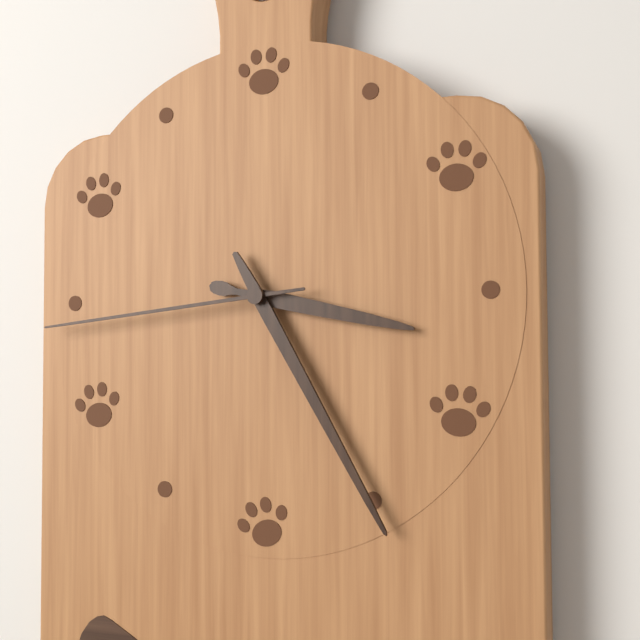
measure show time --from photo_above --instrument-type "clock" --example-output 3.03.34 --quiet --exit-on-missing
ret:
3.25.44
